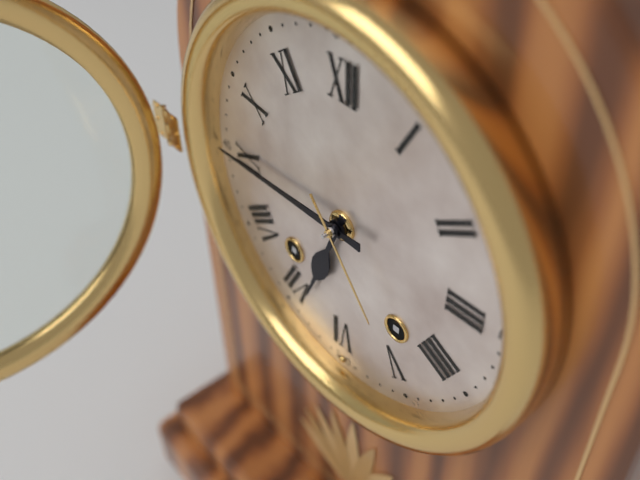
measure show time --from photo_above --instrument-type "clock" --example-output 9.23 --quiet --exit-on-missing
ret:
6.45
